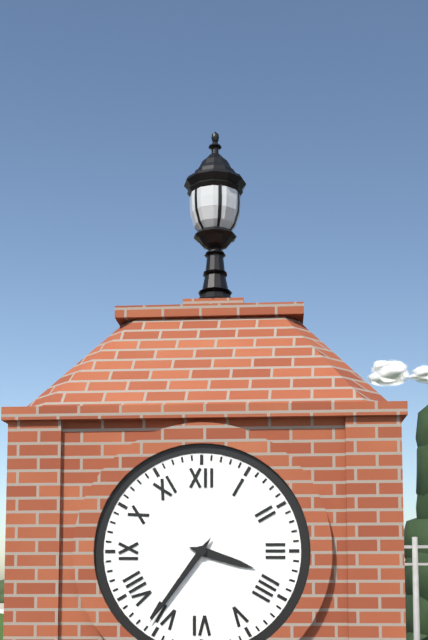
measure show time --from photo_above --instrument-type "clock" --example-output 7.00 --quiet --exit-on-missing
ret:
3.36
